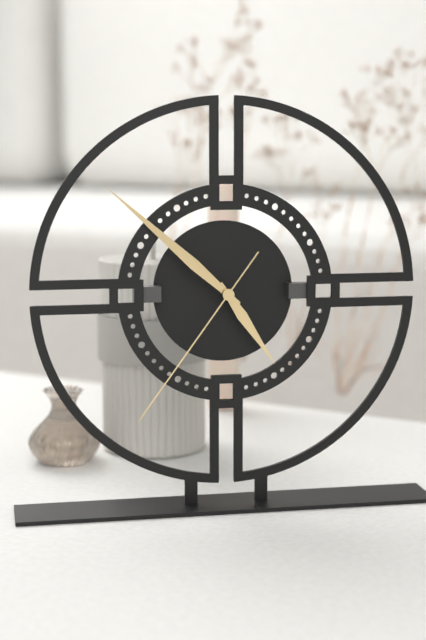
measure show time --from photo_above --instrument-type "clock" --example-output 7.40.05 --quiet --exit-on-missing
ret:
4.52.36
